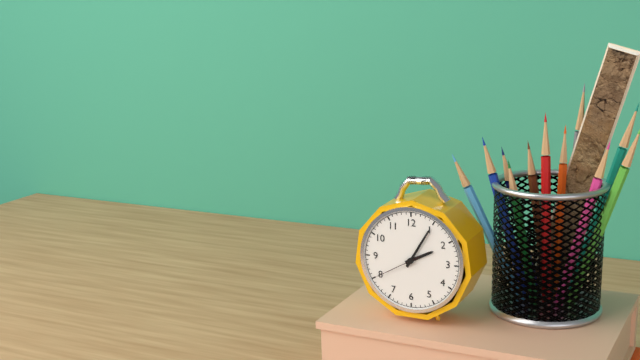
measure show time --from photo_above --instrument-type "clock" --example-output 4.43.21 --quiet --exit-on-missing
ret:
2.05.40
